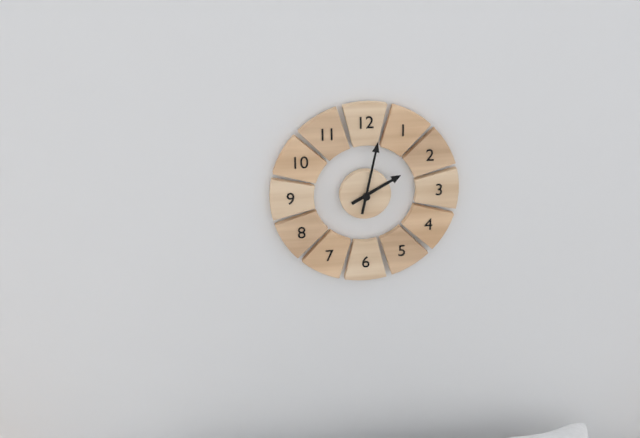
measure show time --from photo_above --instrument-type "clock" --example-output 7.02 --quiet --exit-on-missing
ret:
2.02
